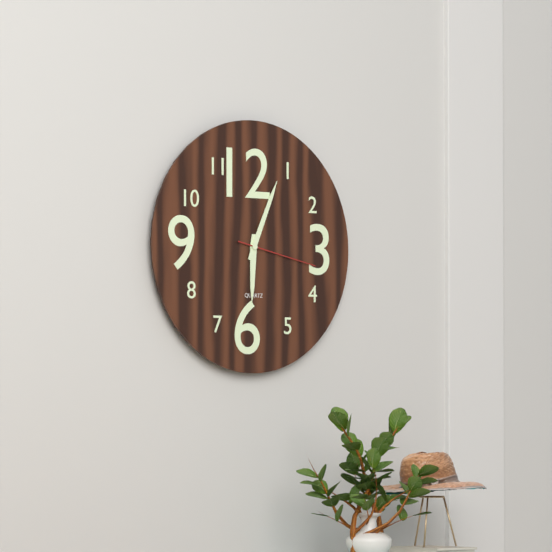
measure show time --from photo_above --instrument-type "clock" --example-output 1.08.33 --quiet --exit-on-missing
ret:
6.04.17
